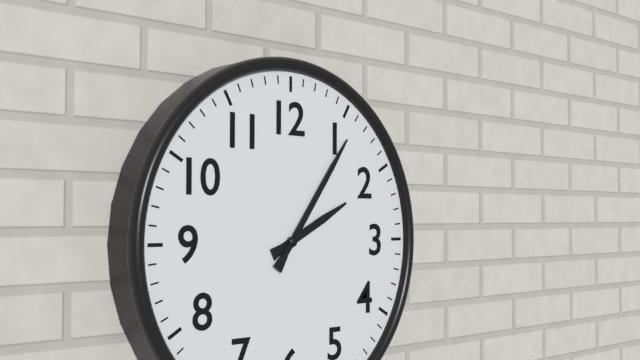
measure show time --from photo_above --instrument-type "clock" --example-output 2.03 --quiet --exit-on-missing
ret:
2.06
